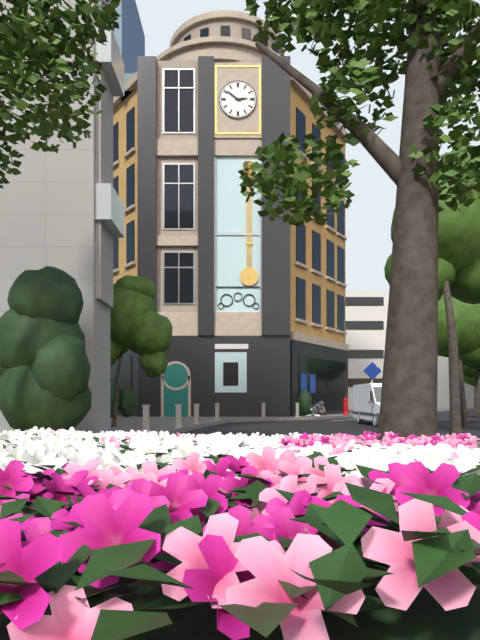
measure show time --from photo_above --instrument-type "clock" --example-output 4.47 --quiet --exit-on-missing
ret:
2.51
